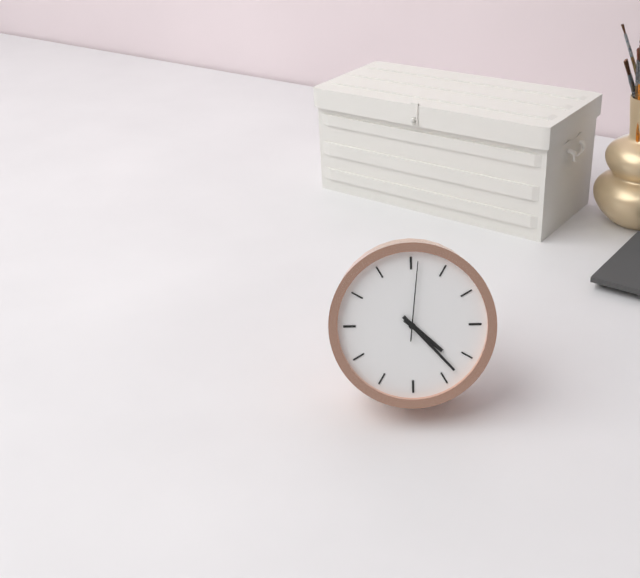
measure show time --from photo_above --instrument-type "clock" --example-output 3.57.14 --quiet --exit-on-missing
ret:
4.23.01
